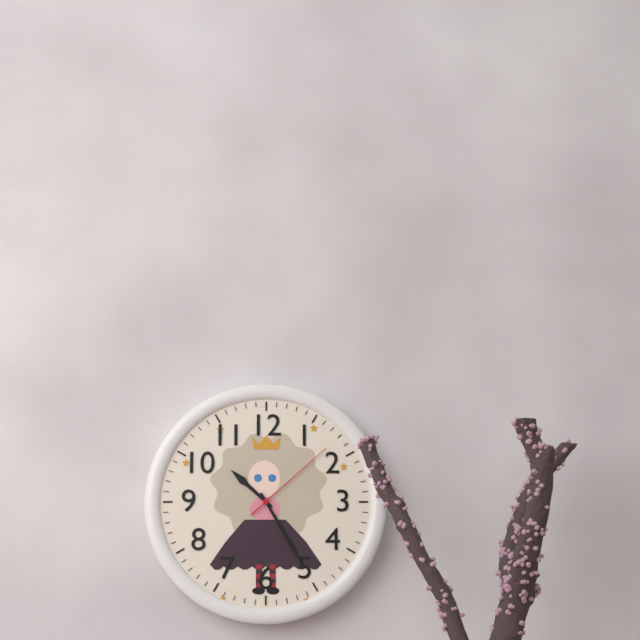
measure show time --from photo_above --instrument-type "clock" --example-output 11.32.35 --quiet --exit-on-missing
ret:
10.25.08
